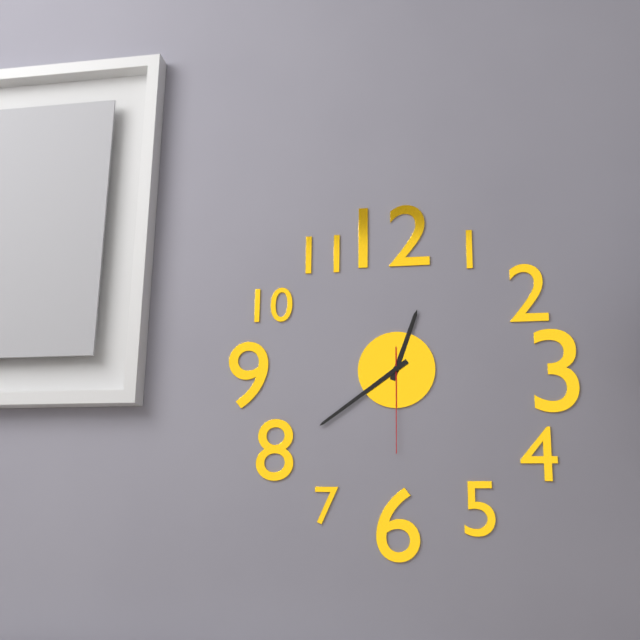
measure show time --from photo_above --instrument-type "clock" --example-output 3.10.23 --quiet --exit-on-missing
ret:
12.39.30
